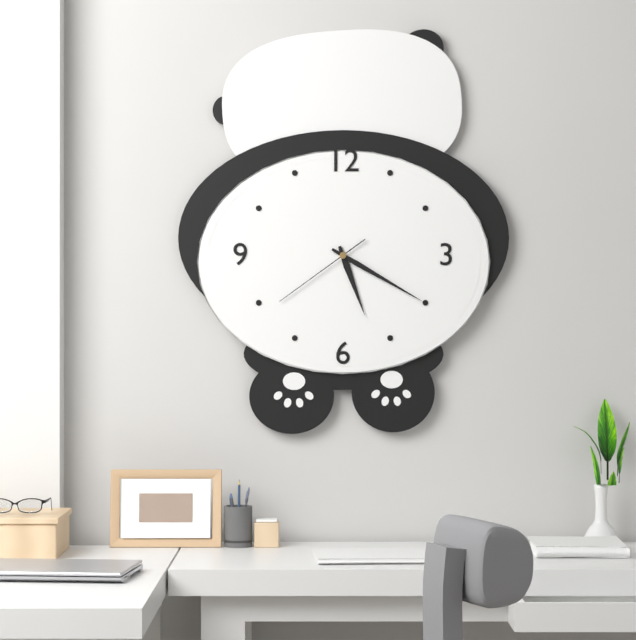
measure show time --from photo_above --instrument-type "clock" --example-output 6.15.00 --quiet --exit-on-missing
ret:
5.20.39
